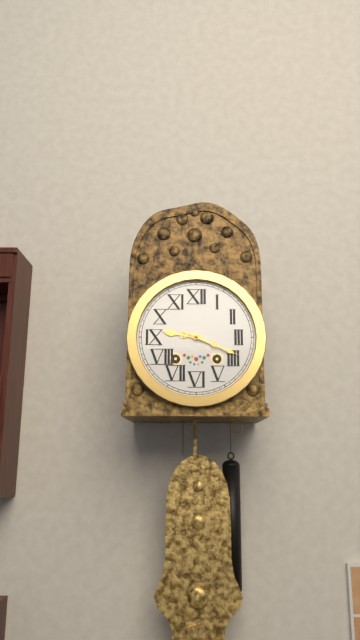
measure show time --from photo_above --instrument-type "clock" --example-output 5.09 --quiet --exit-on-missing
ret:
9.19
